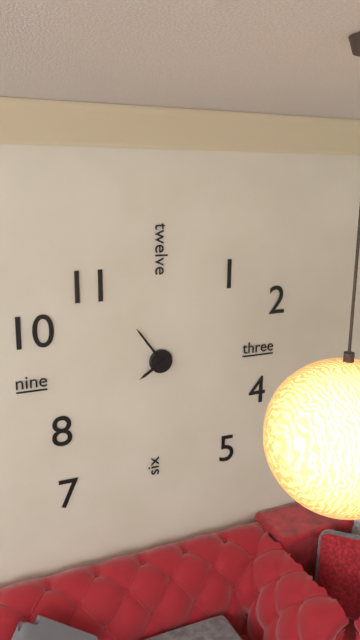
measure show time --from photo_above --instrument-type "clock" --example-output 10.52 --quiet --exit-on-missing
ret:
7.54
